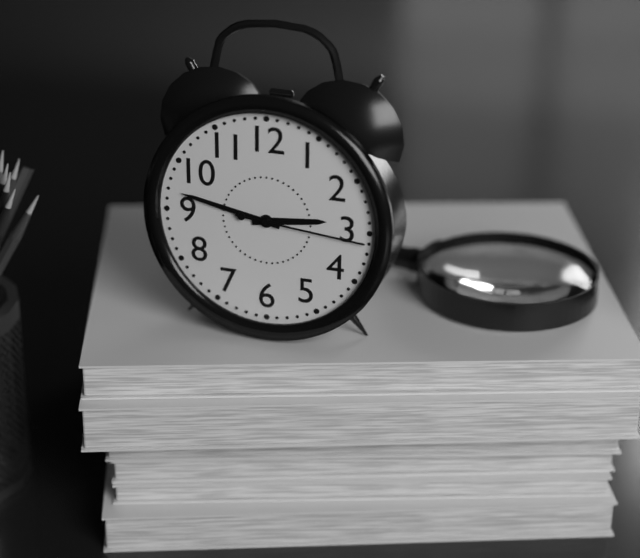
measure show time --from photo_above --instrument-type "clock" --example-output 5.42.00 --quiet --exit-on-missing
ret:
2.47.16
